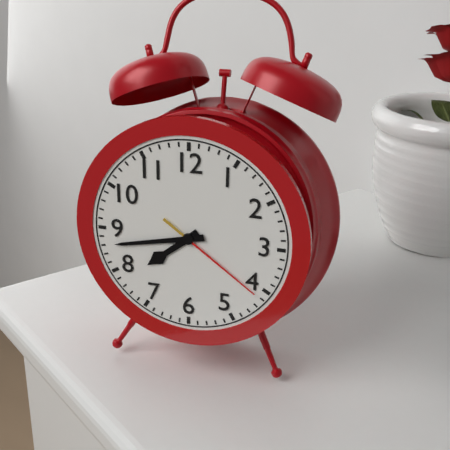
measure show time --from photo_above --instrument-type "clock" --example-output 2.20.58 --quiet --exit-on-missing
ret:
7.43.21
